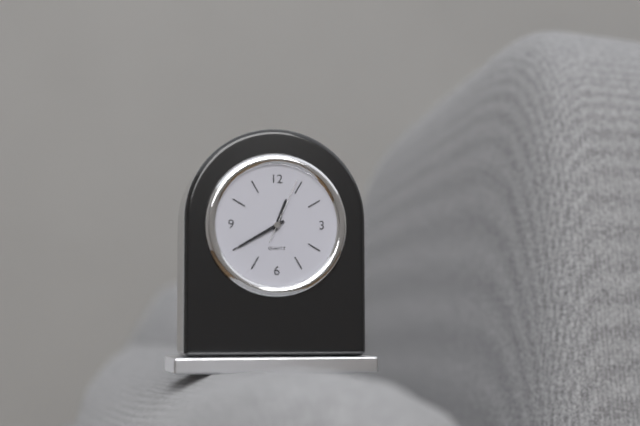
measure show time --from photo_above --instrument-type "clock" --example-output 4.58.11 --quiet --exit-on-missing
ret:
12.40.04
